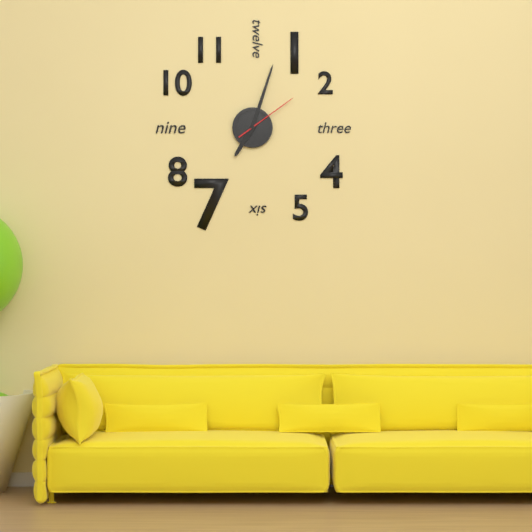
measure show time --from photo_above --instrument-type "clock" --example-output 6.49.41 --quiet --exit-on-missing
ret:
7.03.09
